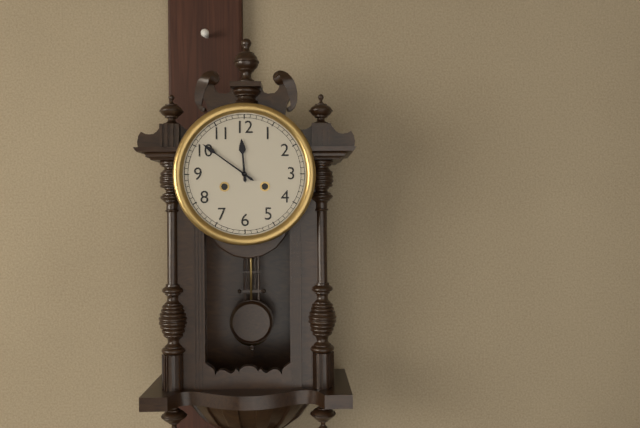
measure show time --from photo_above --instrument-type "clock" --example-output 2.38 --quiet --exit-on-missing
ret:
11.51
